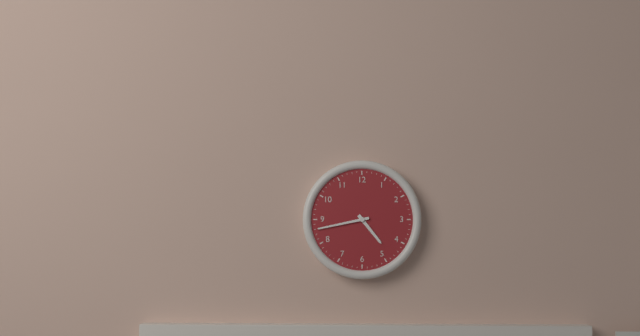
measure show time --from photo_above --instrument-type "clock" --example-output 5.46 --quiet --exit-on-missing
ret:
4.43
